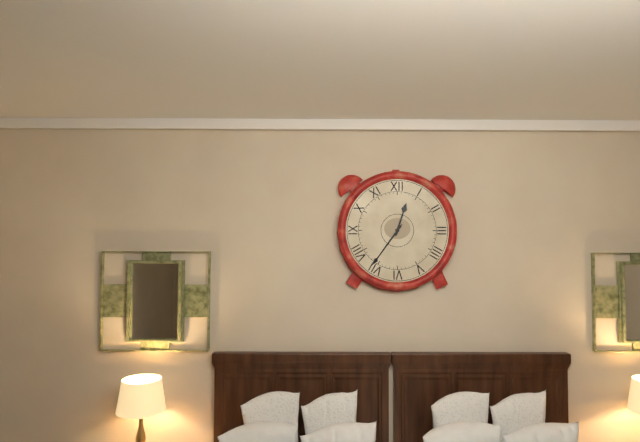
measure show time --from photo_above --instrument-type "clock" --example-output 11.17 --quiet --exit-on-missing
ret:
12.36
